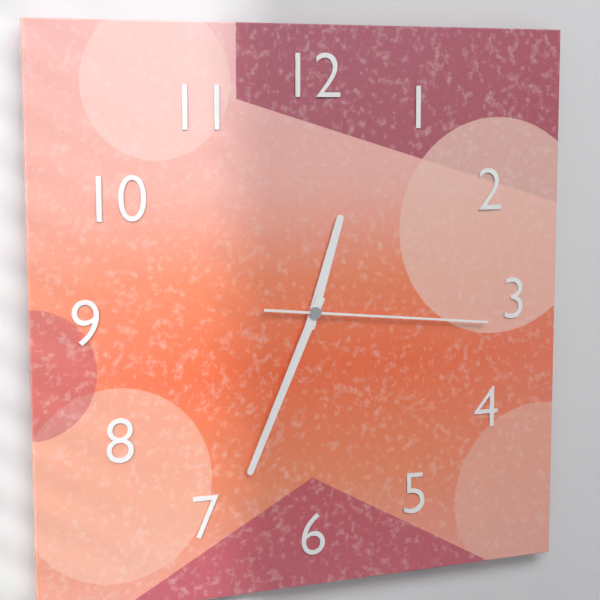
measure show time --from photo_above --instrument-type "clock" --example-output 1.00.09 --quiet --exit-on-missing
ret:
12.34.16
